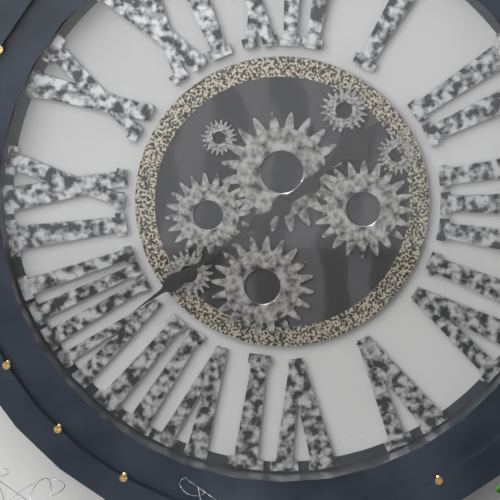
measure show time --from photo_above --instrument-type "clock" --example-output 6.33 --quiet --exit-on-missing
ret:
1.39
